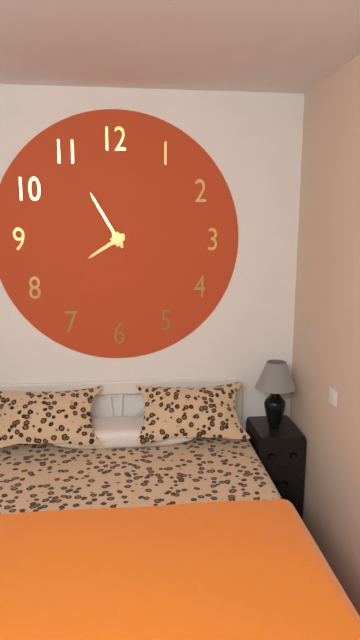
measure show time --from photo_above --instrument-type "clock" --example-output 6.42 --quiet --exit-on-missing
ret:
7.55
